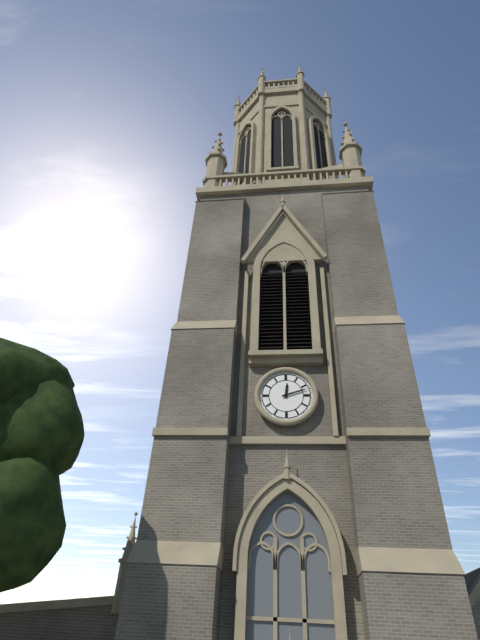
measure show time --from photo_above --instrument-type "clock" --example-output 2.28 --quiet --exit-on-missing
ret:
12.12
